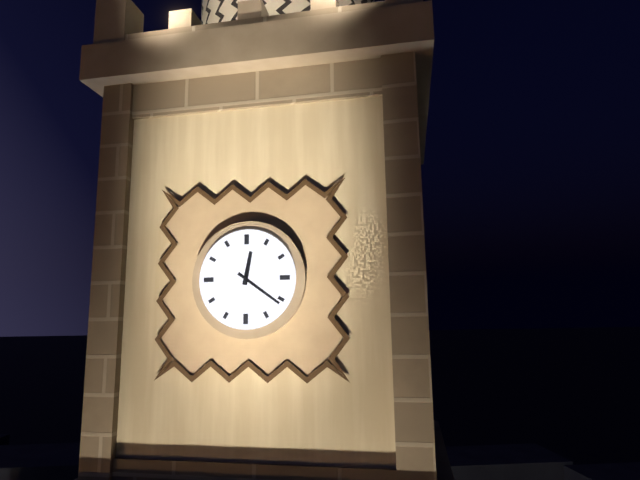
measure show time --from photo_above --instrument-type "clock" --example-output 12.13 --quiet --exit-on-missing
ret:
12.21
